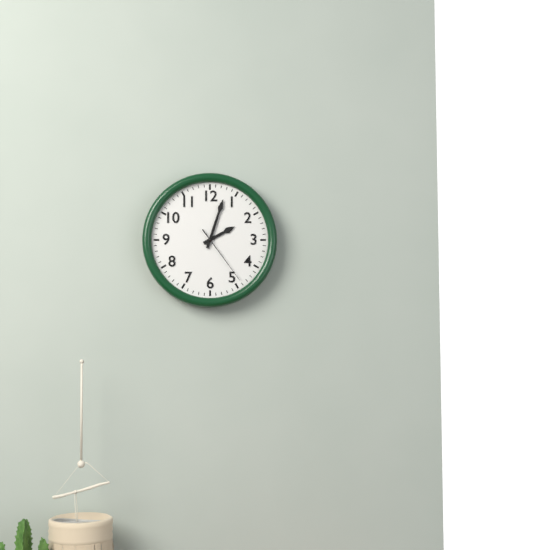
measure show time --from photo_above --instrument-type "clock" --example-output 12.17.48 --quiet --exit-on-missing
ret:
2.03.24
